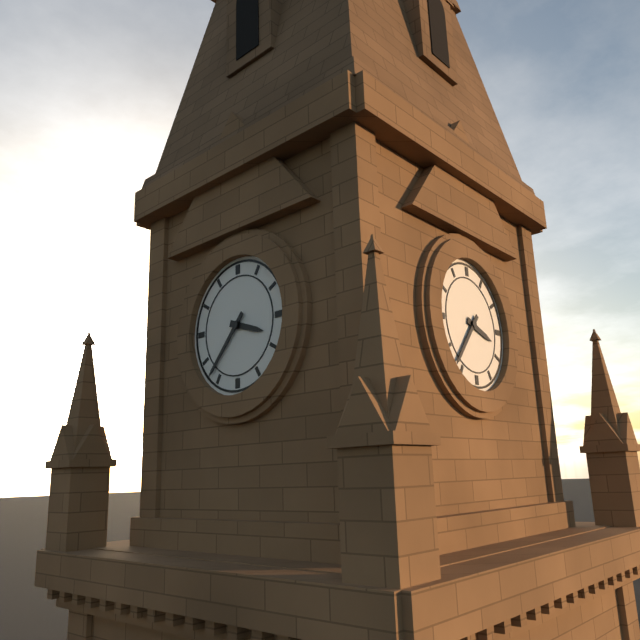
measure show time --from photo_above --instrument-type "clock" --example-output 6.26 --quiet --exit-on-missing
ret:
3.37
